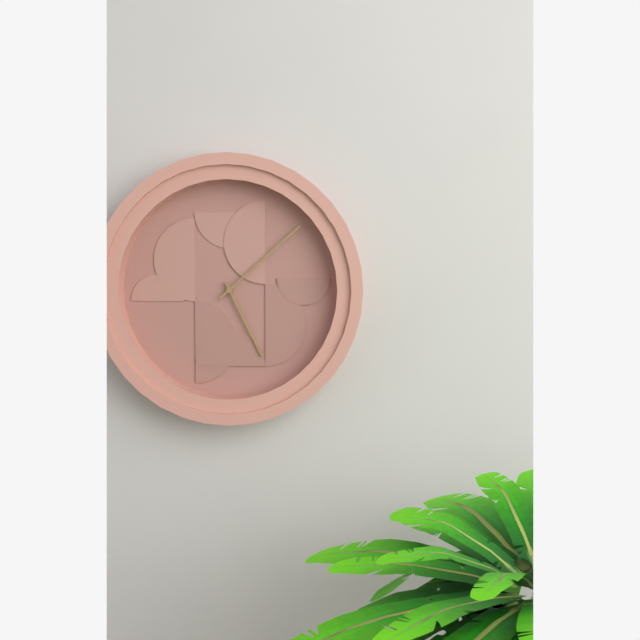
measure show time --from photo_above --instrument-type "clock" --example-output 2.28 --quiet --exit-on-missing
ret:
5.08
